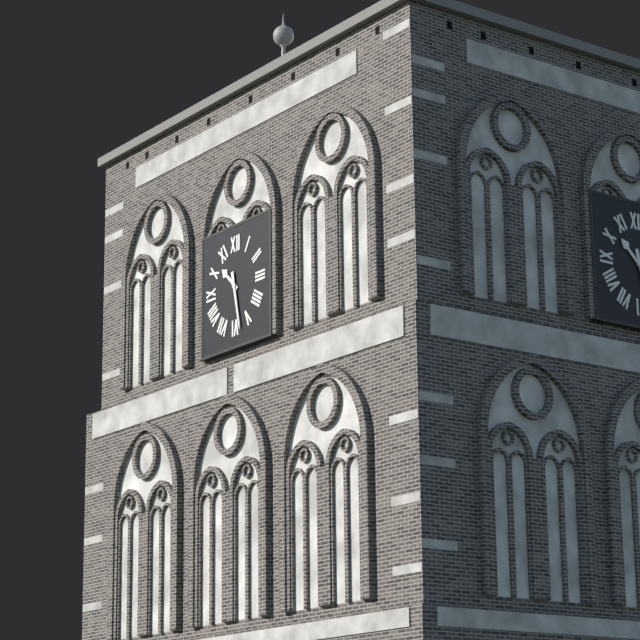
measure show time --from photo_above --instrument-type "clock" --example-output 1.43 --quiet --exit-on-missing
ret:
10.28
